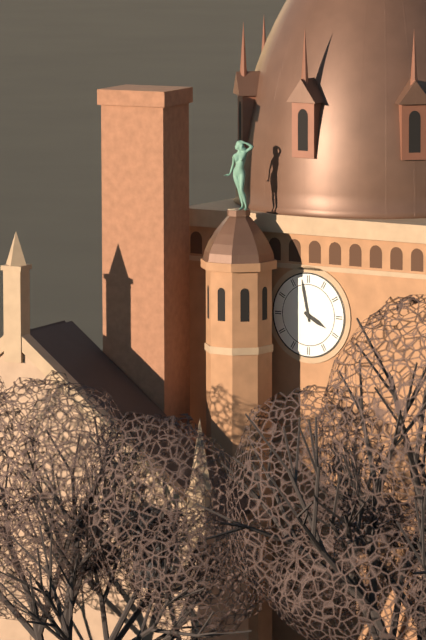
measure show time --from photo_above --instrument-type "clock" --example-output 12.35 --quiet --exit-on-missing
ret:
3.58
